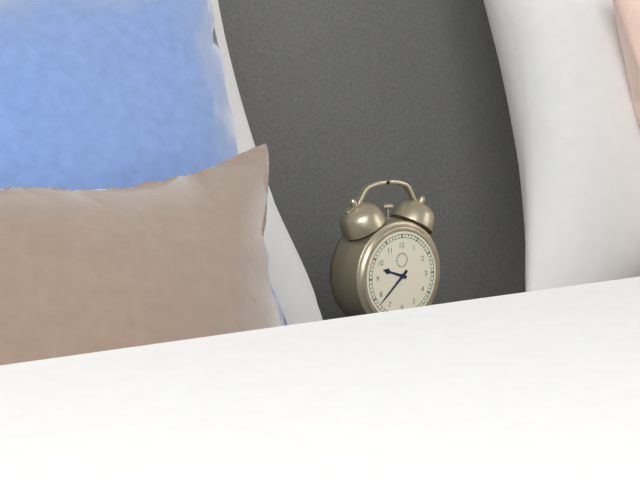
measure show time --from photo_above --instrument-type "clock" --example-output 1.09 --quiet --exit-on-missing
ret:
9.38
